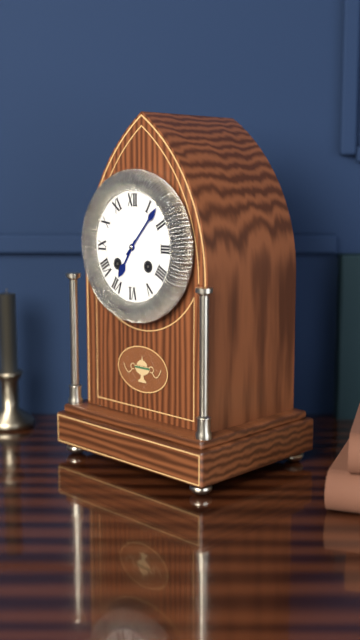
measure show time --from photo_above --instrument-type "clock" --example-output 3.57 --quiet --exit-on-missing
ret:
7.07
